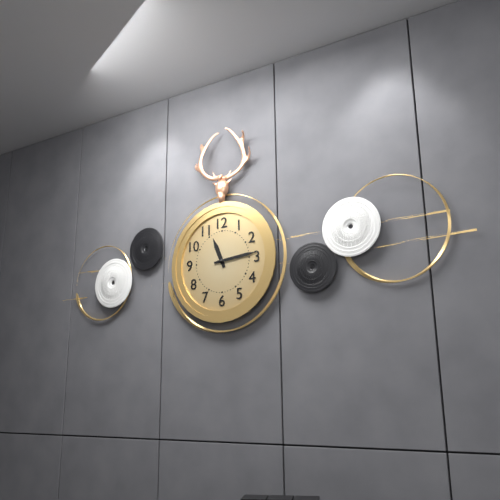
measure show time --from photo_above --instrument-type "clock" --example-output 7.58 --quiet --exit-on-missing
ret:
11.14
